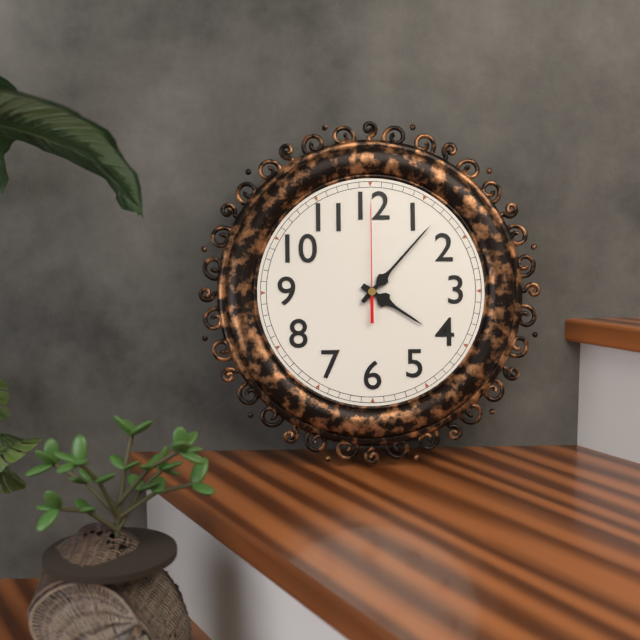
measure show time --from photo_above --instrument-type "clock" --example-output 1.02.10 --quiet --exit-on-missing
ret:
4.07.00
